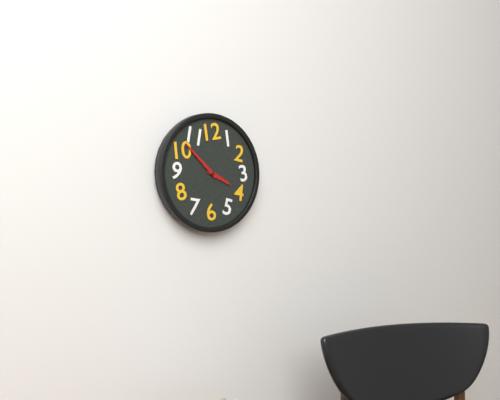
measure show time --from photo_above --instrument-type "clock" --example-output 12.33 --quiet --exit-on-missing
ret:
3.52
